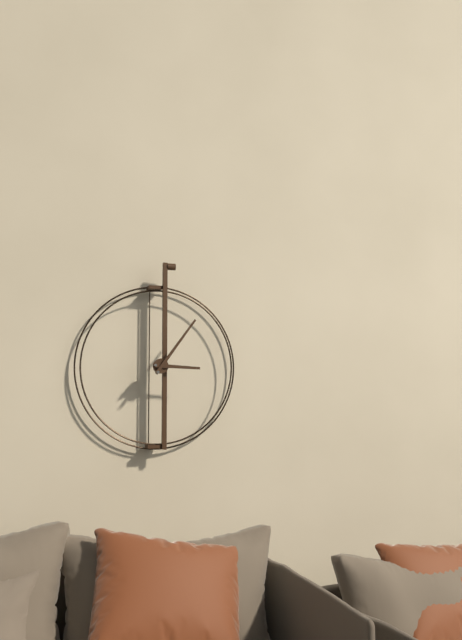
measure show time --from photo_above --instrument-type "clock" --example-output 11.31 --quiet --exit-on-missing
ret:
3.06
